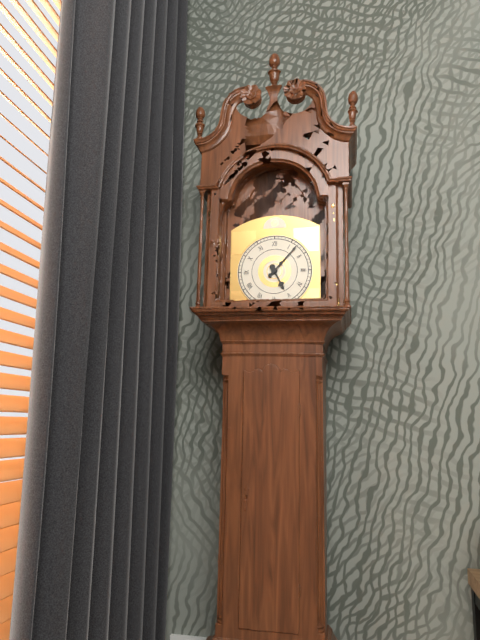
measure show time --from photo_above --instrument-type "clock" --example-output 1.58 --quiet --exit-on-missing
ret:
5.07
